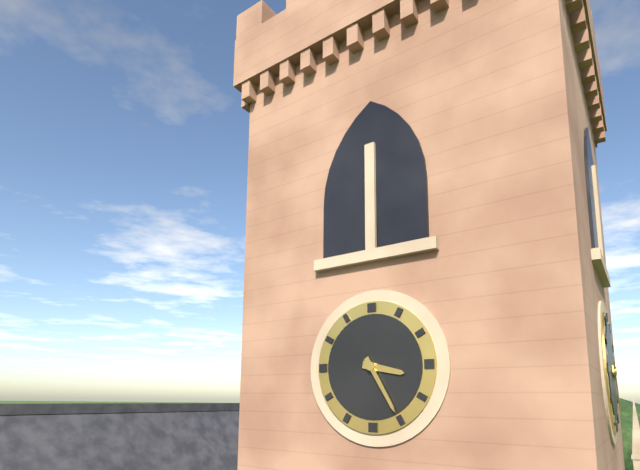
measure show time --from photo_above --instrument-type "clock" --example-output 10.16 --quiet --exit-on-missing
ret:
3.25
